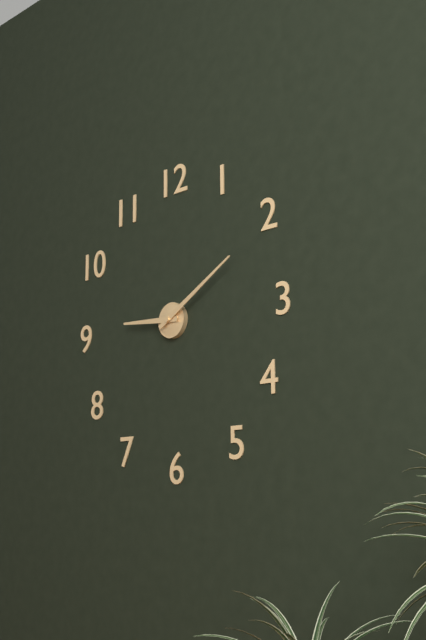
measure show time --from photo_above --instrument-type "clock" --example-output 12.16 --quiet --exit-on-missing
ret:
9.10
